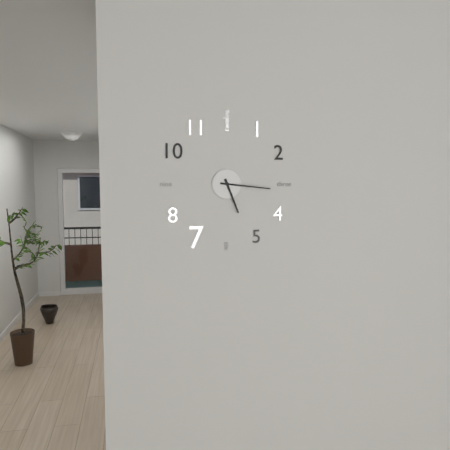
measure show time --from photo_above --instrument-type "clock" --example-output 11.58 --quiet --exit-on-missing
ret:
5.16
